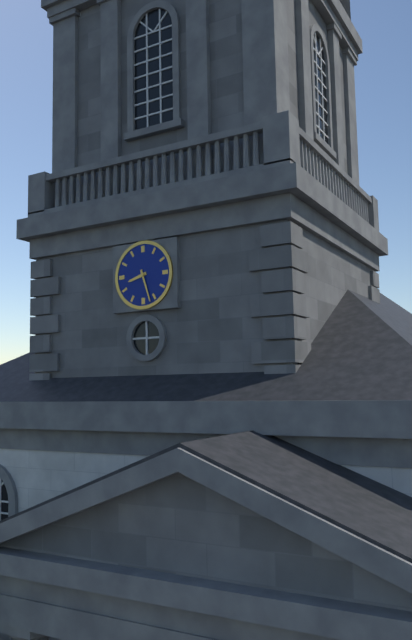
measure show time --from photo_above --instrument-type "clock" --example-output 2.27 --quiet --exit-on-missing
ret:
8.27
